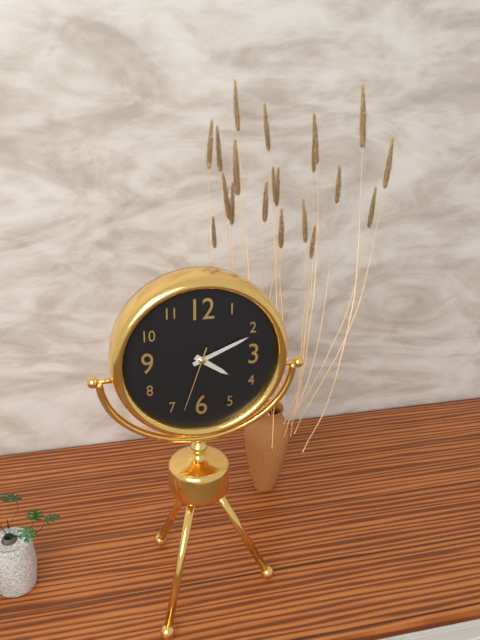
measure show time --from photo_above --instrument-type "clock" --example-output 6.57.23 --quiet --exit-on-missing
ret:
4.11.33
